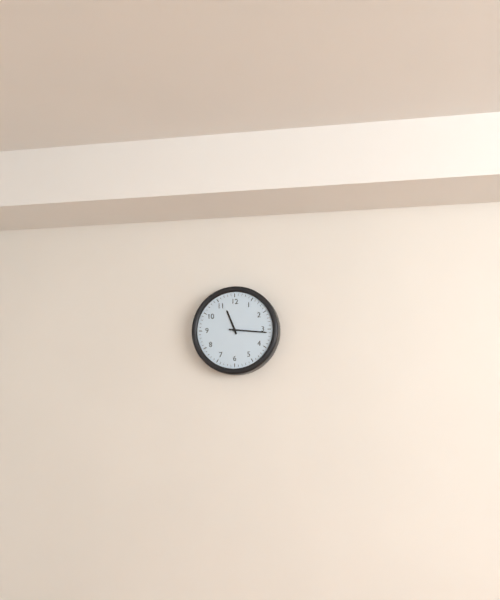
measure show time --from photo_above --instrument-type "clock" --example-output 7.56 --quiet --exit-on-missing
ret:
11.16
